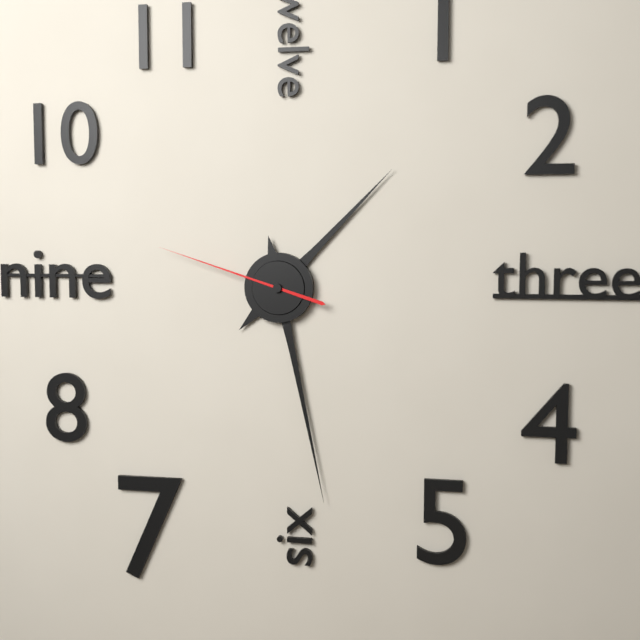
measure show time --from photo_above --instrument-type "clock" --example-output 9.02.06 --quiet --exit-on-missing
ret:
1.28.48
